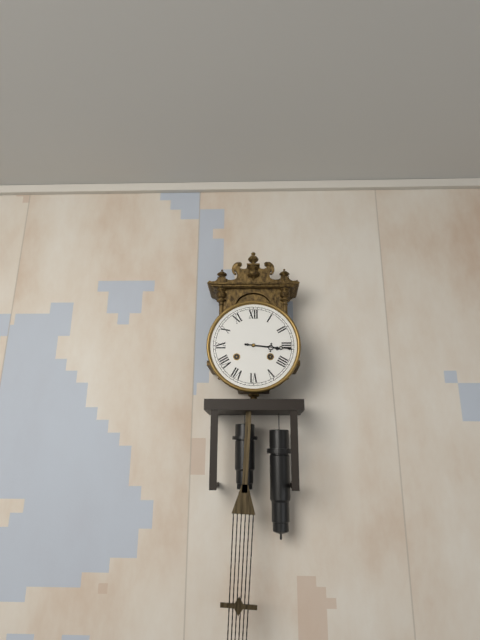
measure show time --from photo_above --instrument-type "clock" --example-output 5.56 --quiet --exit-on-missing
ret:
3.16
